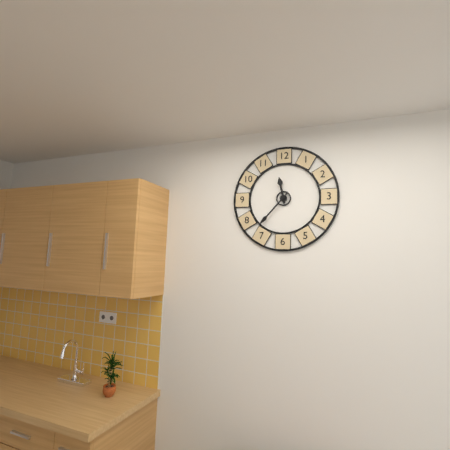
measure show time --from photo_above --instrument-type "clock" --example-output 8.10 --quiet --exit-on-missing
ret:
11.37
